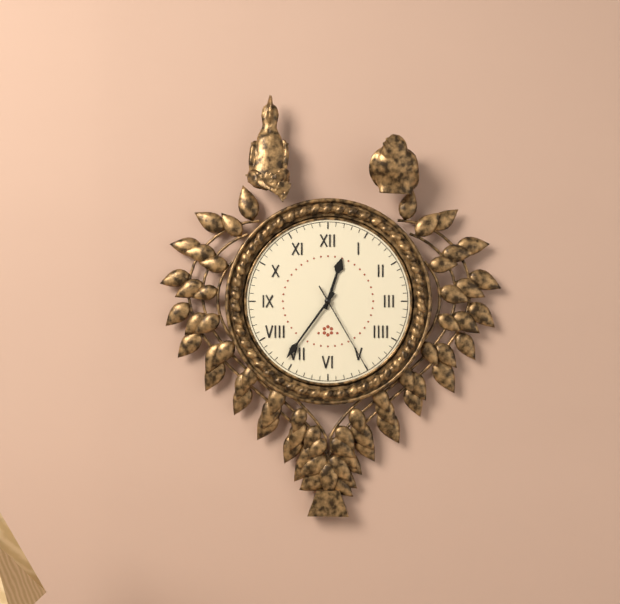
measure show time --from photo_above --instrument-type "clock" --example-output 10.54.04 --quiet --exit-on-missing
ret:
12.36.25
